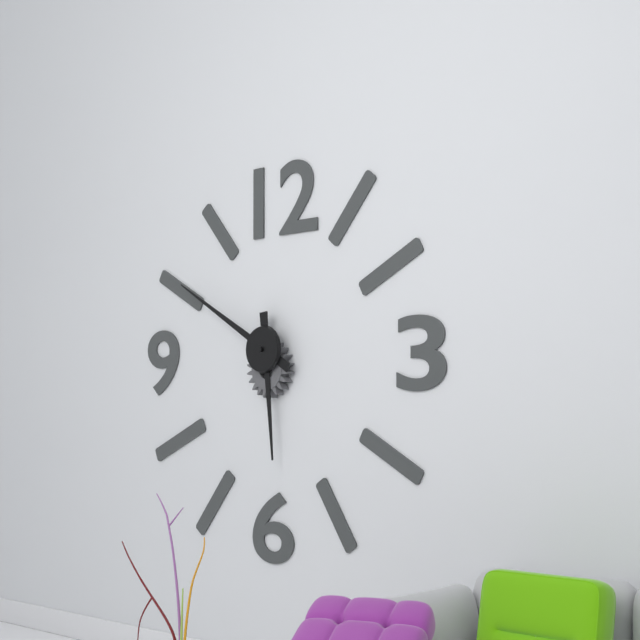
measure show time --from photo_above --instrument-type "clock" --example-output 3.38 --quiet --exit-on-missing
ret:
5.50
